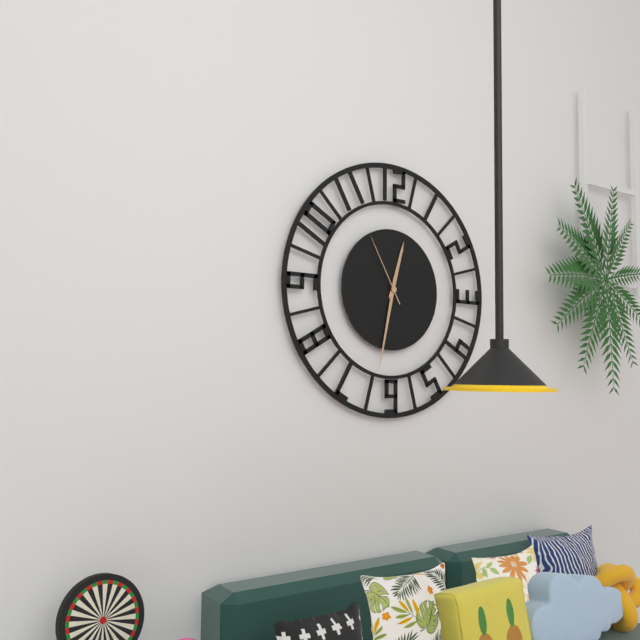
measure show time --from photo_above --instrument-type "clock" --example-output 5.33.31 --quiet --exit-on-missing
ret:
12.32.55
